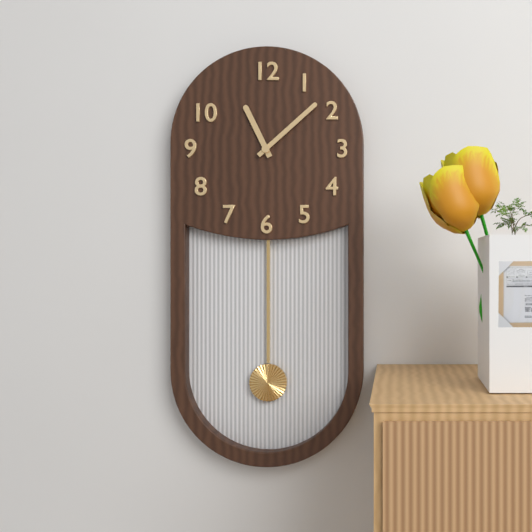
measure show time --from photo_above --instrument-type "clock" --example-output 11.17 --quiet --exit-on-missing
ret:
11.08
